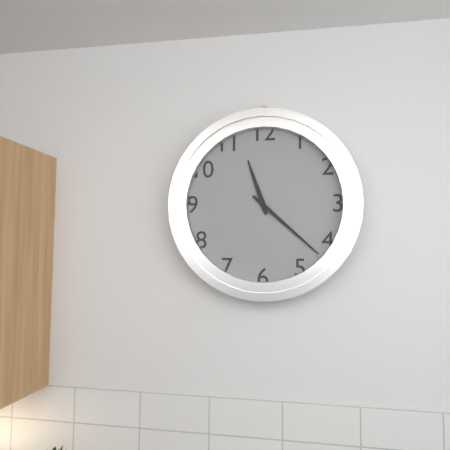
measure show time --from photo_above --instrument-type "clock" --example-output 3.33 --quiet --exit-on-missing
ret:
11.22
